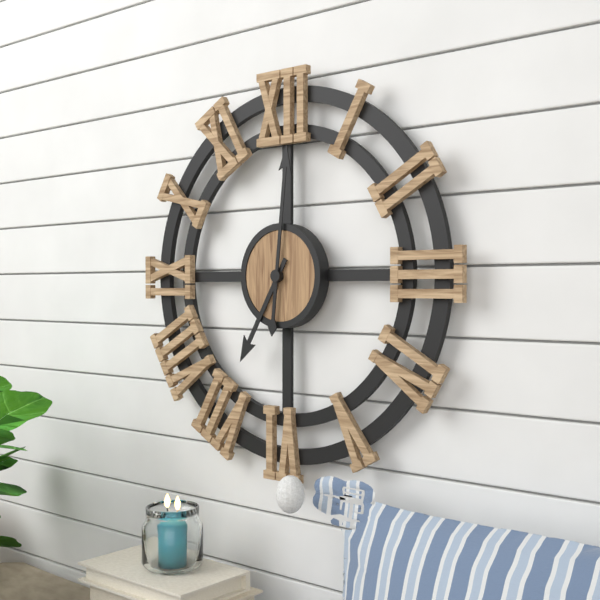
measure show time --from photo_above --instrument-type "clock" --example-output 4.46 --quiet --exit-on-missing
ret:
7.01
